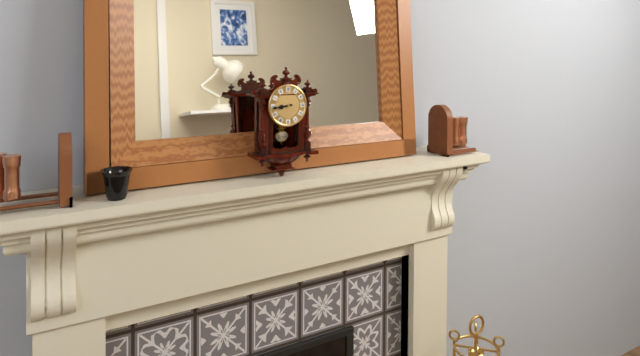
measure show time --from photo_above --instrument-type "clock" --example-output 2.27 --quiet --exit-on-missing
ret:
8.44
